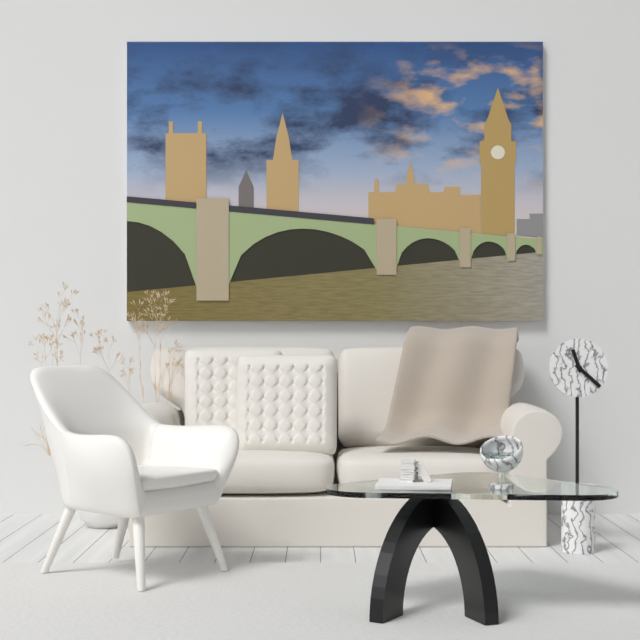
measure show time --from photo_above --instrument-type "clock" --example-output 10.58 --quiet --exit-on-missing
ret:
11.22
